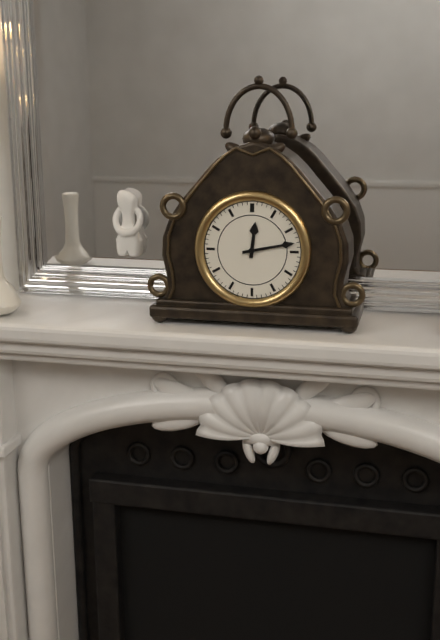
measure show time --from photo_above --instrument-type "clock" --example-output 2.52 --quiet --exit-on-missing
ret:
12.13
